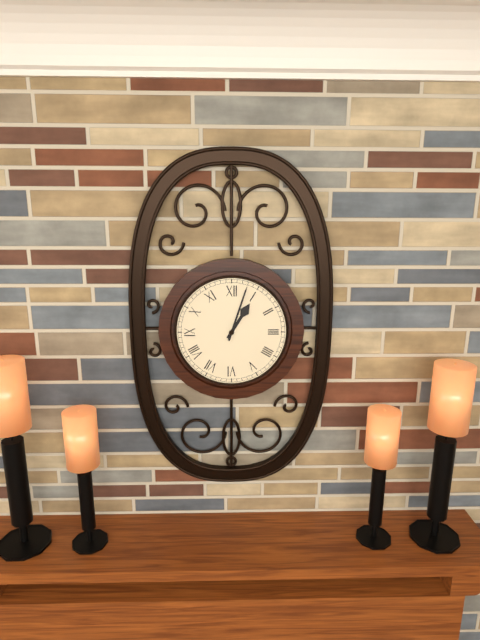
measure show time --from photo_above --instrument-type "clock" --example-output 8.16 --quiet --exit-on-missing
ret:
1.03
